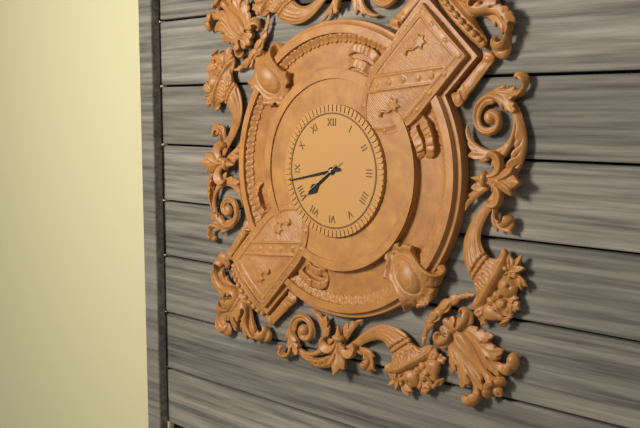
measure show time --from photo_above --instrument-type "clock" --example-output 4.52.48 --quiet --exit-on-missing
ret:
7.43.39
